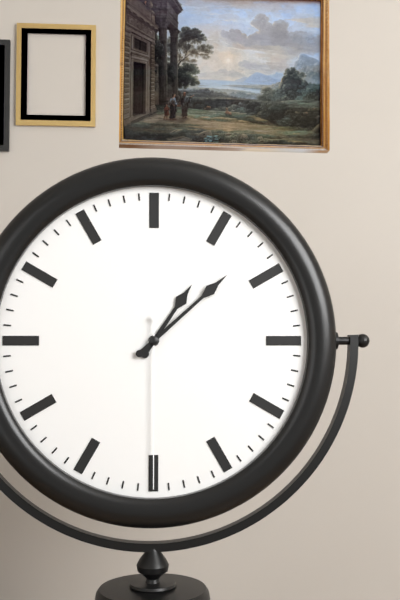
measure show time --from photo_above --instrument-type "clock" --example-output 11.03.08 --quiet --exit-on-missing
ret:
1.08.30
